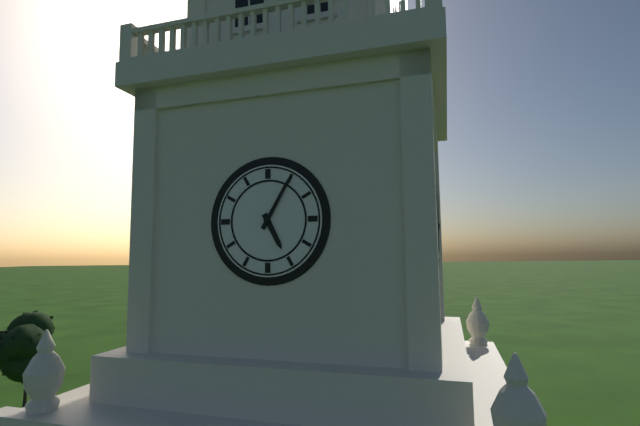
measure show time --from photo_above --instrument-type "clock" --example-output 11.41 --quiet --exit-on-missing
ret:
5.05
